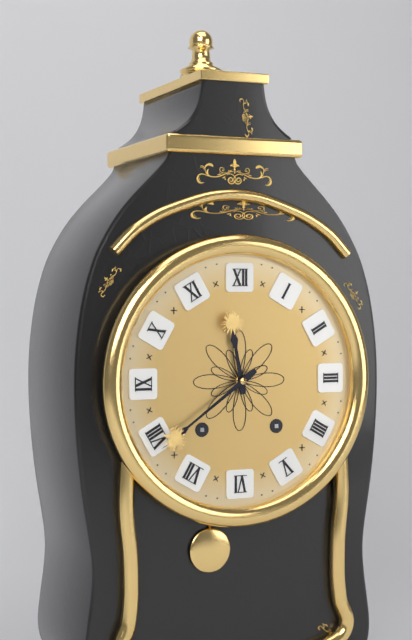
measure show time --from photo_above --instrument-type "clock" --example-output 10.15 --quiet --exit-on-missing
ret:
11.39
